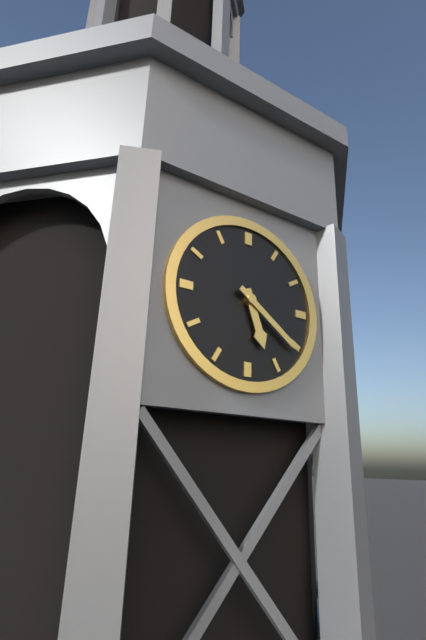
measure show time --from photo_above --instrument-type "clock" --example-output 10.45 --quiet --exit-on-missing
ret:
5.21
